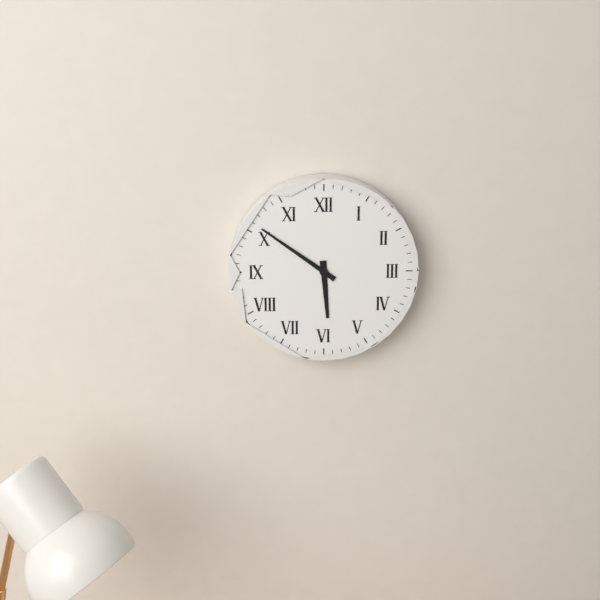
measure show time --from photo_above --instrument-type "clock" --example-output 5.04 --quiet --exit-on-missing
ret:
5.51
